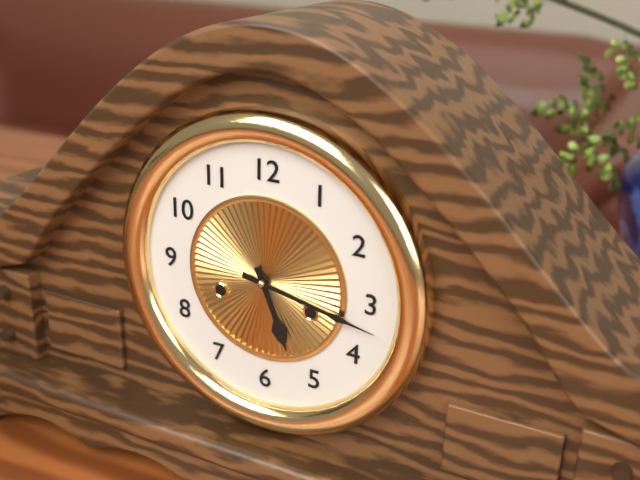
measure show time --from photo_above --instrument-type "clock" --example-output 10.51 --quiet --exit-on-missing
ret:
5.17
